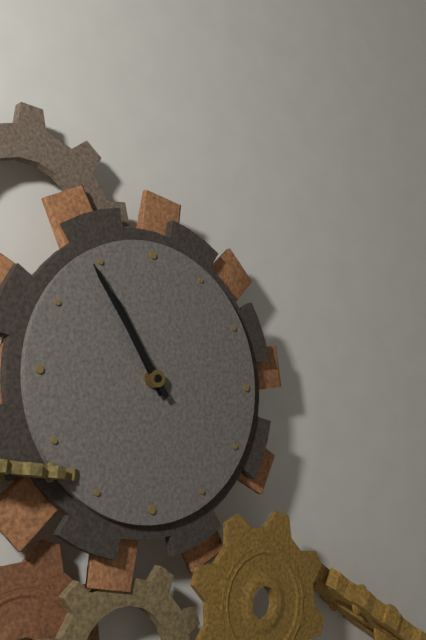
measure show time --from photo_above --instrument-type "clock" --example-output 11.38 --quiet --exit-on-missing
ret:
10.54
